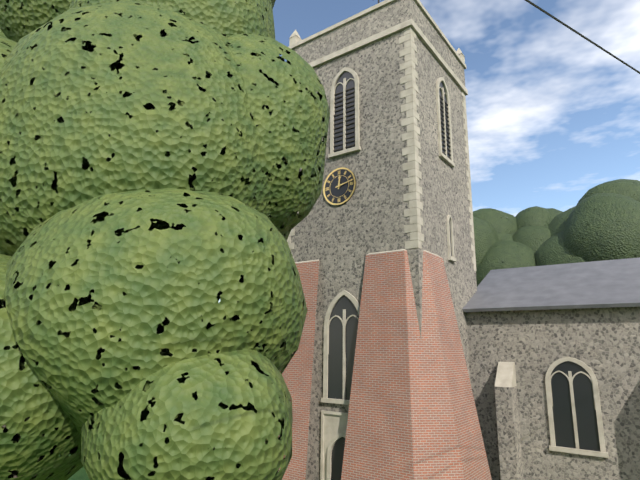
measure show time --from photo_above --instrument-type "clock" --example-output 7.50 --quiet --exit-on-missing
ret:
12.13
